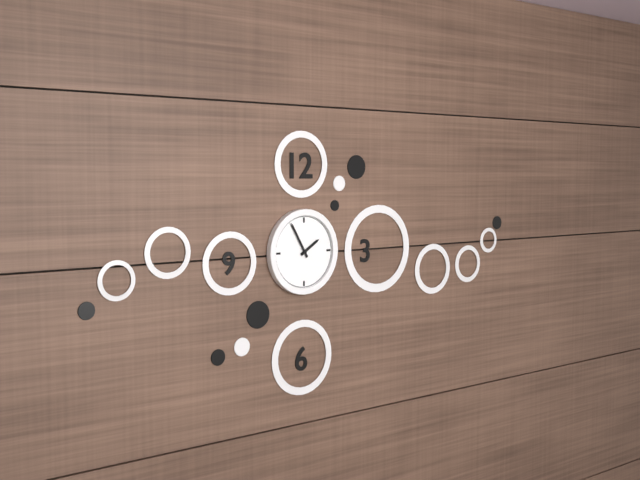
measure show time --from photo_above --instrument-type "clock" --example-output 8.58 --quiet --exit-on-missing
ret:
1.55
